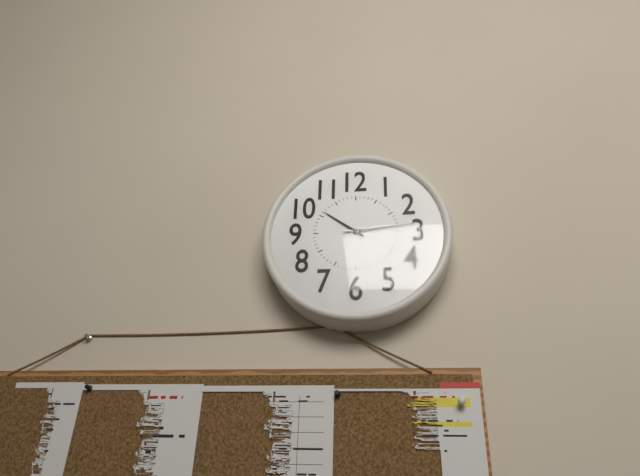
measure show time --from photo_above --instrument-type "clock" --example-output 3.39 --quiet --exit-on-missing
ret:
10.14
